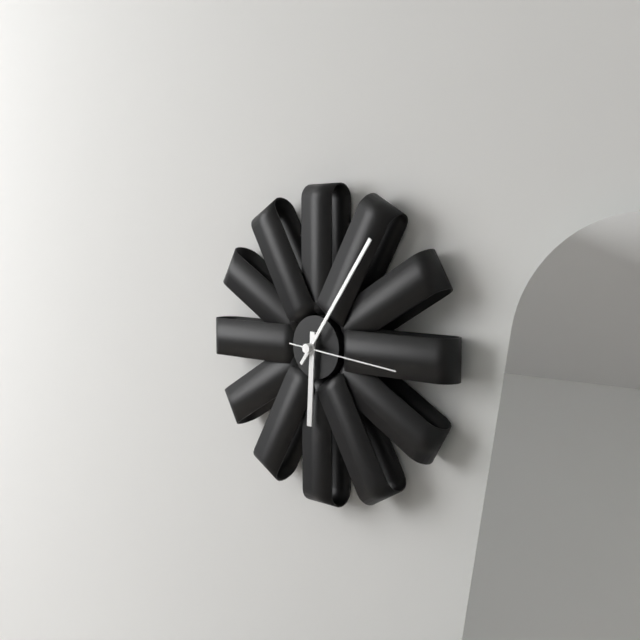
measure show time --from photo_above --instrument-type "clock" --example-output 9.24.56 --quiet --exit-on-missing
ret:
6.06.16
